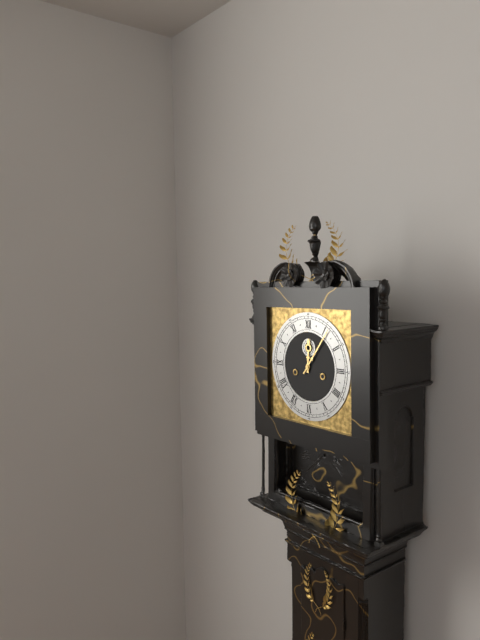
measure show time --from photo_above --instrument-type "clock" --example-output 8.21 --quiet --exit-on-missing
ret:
12.06
